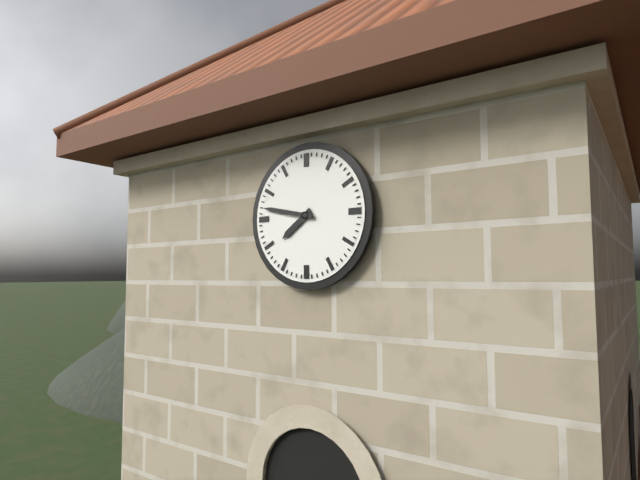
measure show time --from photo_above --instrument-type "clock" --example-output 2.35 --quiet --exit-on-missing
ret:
7.47
